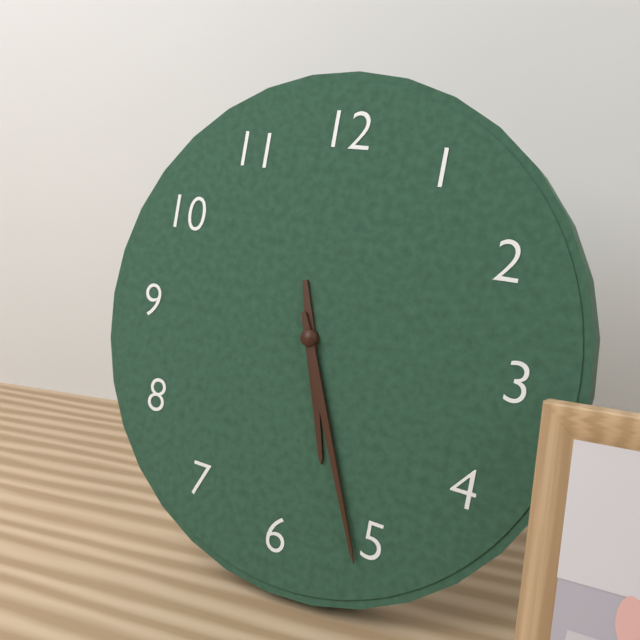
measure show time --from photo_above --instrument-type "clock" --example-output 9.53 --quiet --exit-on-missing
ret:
5.26
